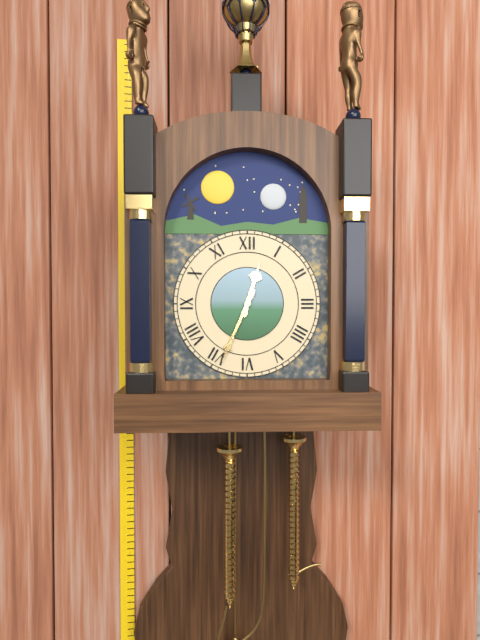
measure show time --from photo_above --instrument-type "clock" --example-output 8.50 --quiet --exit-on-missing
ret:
12.34
